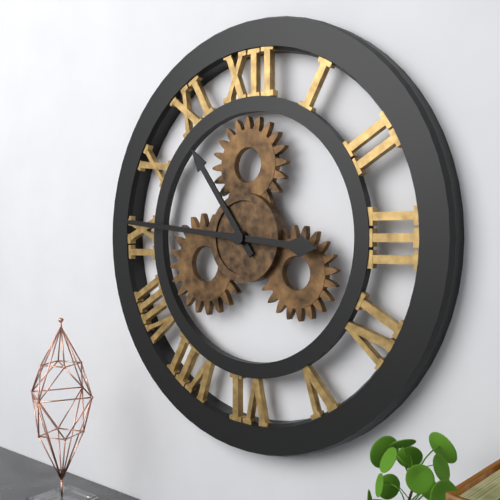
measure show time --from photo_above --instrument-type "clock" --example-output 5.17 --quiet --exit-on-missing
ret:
10.46
